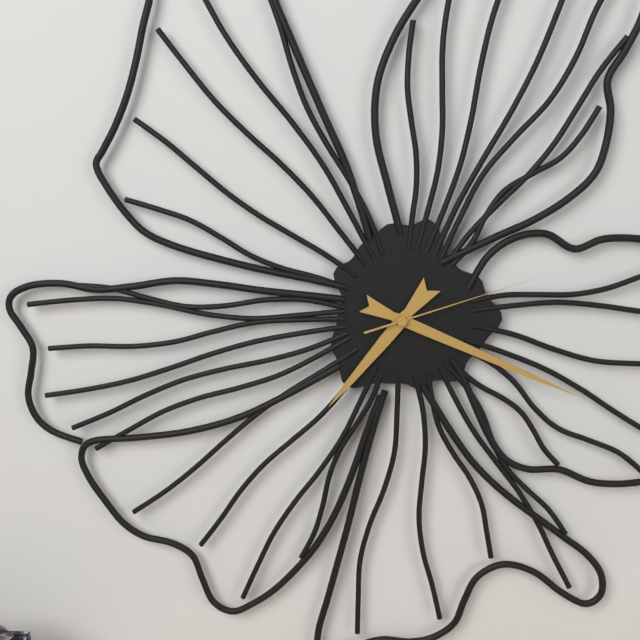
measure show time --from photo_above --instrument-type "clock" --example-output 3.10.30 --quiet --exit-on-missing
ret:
7.19.12
